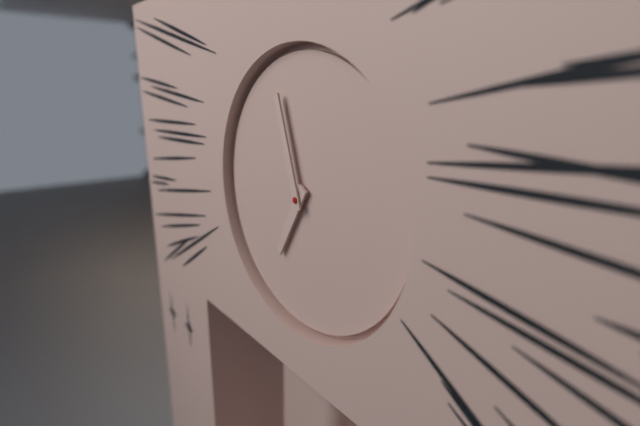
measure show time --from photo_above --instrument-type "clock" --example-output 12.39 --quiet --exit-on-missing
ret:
6.57
